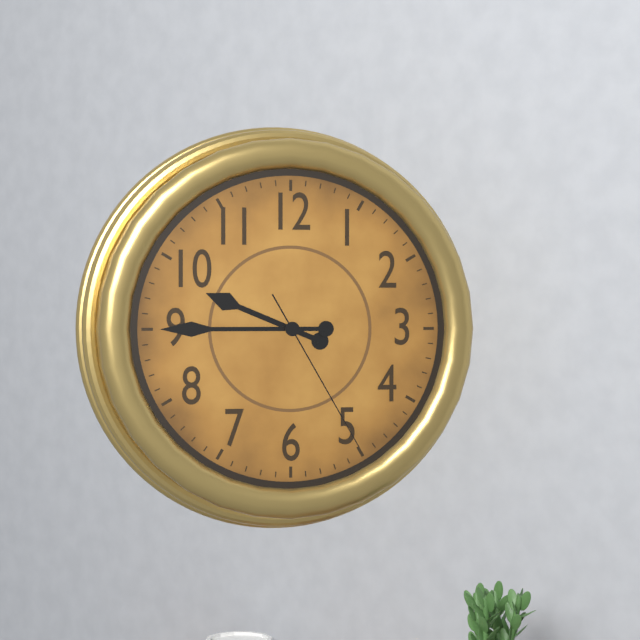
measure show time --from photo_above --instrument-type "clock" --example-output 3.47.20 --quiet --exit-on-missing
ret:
9.45.25
